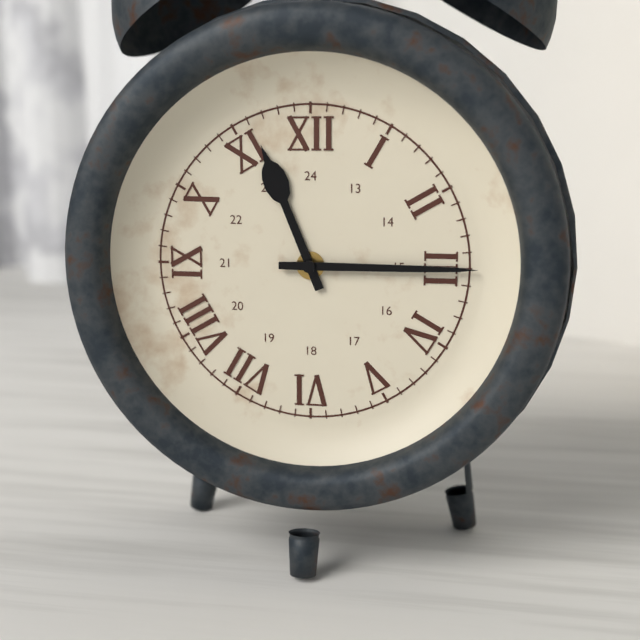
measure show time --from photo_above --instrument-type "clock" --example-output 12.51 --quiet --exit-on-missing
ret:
11.15
